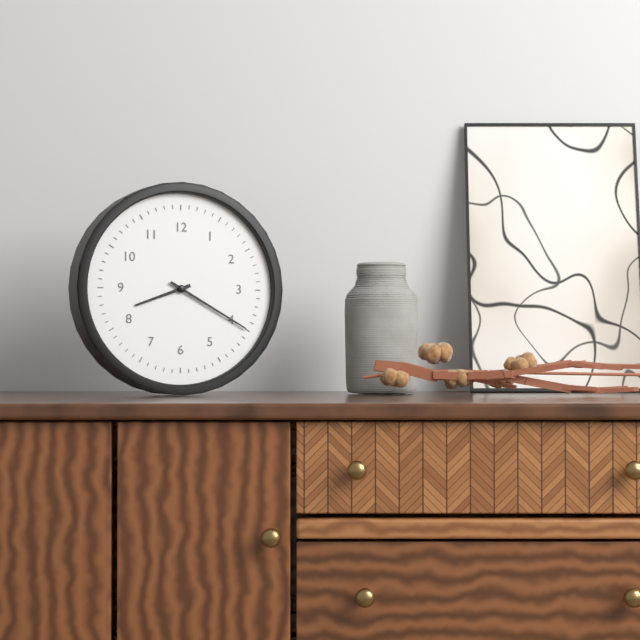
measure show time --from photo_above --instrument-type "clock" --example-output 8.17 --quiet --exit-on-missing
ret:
8.20
